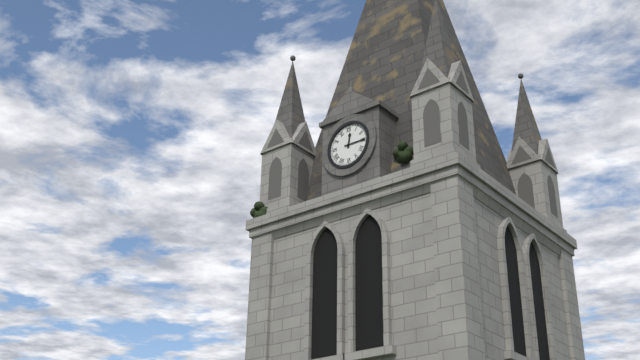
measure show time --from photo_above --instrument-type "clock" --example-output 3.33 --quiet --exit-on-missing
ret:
12.15
